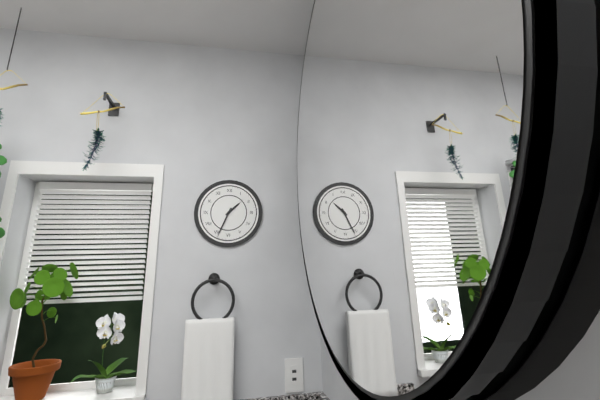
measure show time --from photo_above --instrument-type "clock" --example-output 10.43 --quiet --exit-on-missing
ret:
1.34
